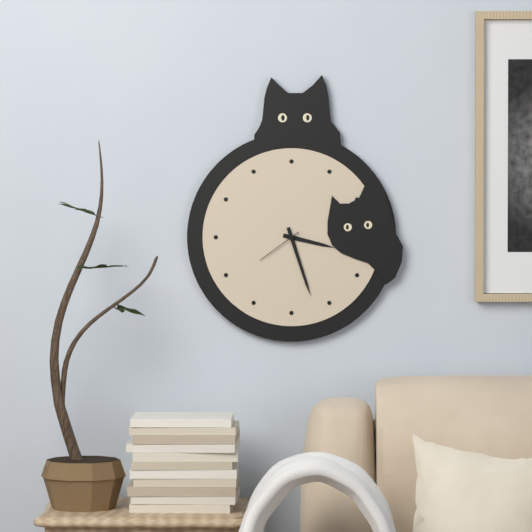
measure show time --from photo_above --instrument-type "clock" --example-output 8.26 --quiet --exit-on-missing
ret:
3.27
